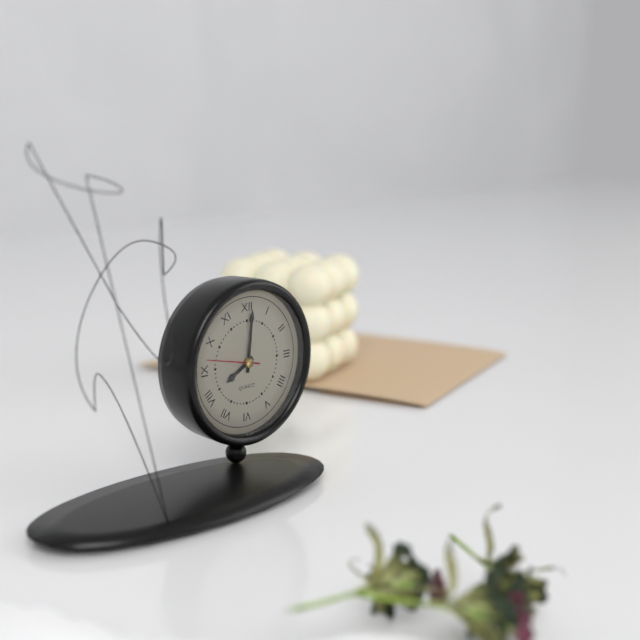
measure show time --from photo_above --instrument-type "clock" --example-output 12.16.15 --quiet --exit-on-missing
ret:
8.01.47
